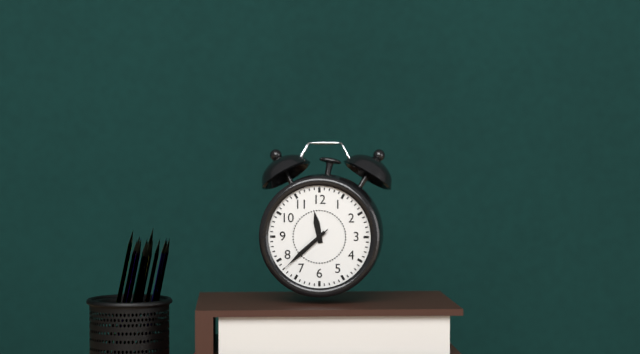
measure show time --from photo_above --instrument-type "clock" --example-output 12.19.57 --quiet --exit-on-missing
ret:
11.38.38
